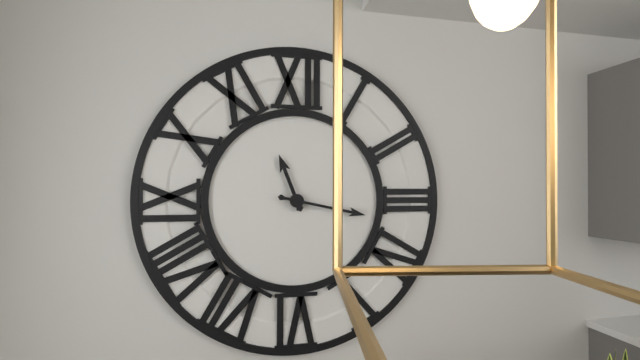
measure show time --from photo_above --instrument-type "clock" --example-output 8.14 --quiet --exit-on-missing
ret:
11.17
